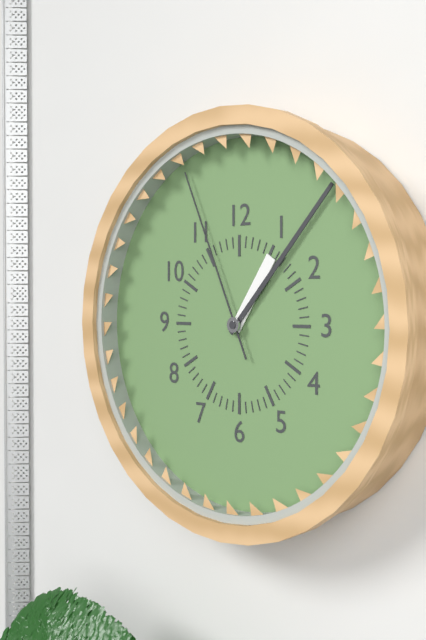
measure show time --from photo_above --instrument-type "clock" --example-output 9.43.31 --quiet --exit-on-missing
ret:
1.07.56
